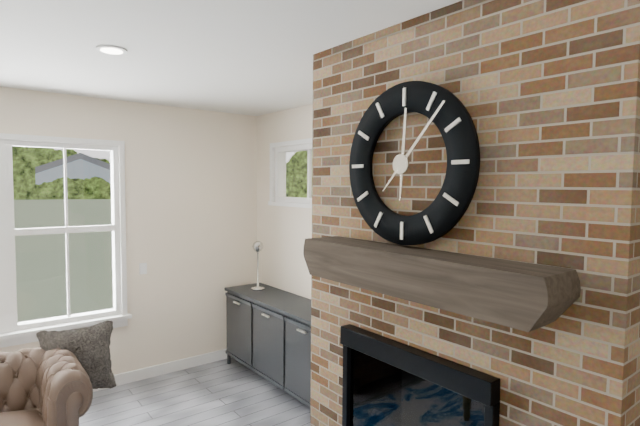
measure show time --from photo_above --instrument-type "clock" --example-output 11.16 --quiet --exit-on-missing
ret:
12.07
